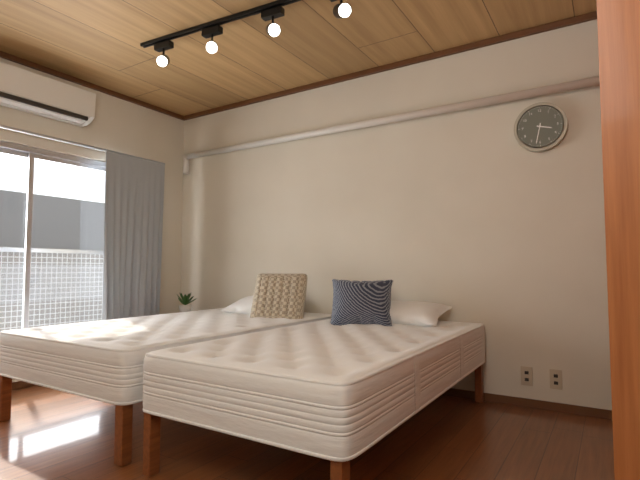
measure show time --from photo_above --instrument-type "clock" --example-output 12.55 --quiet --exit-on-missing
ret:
3.32
